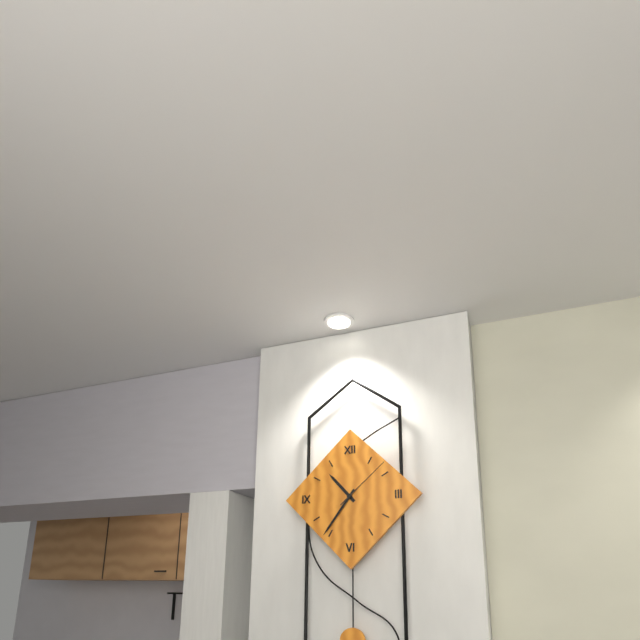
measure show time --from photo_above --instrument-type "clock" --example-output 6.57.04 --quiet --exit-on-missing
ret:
10.36.08
